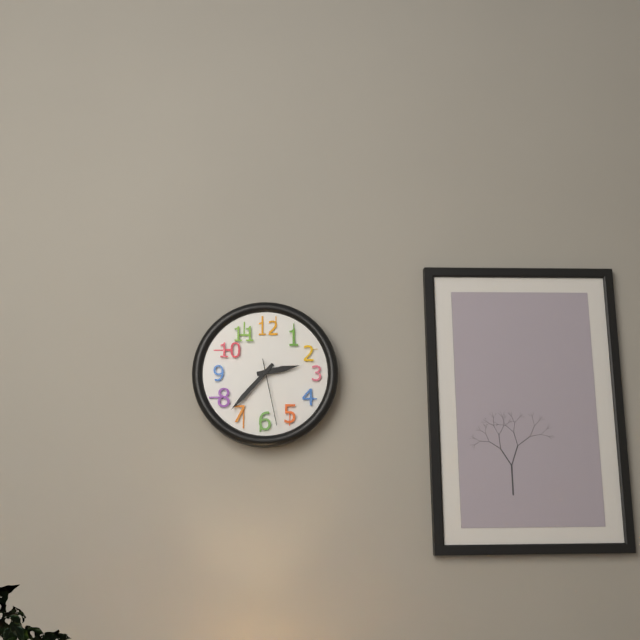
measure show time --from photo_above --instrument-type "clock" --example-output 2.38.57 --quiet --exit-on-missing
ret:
2.37.28
